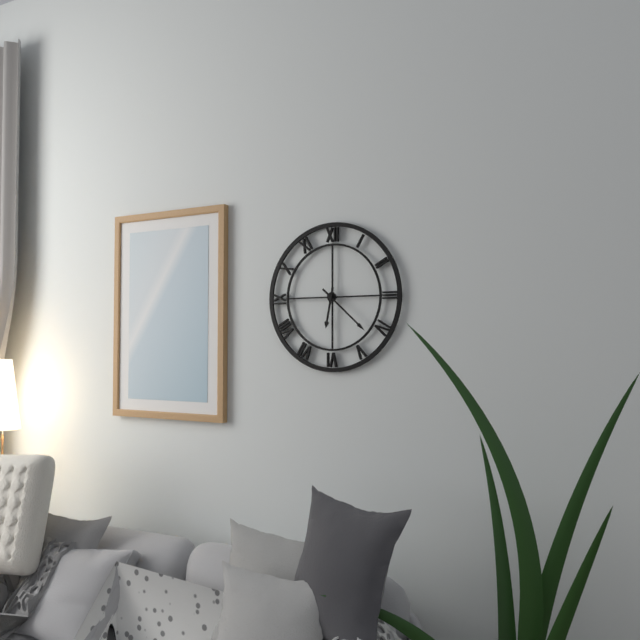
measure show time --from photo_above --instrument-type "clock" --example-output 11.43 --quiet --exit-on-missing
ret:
6.22
